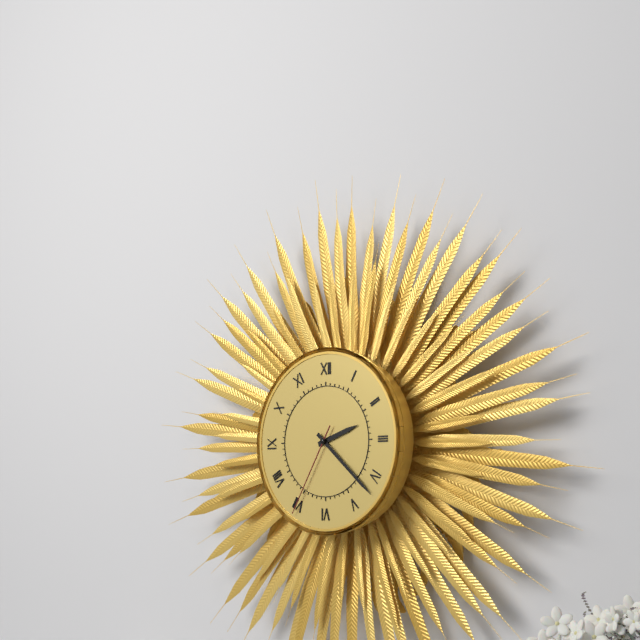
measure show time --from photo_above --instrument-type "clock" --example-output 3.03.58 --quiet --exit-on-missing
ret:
2.22.35
